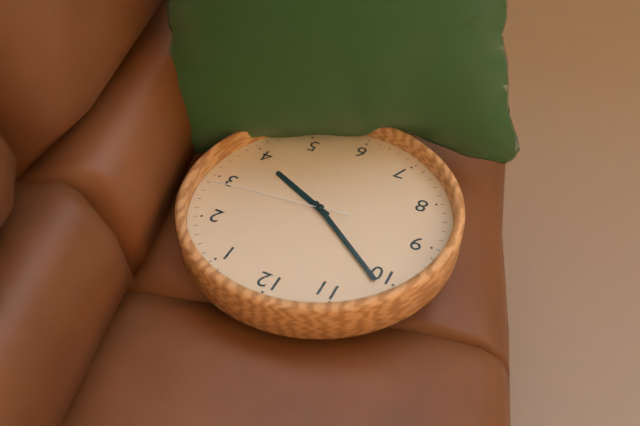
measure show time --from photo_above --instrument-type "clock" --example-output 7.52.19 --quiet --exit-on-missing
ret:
3.51.14
